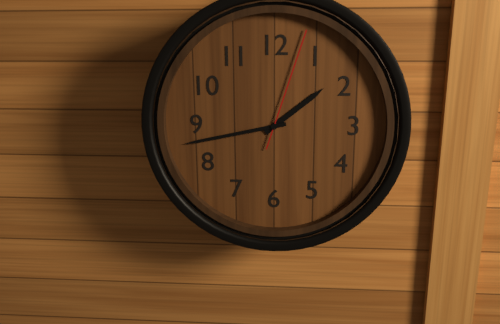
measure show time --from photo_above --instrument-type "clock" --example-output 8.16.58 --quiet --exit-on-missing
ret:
1.43.03
